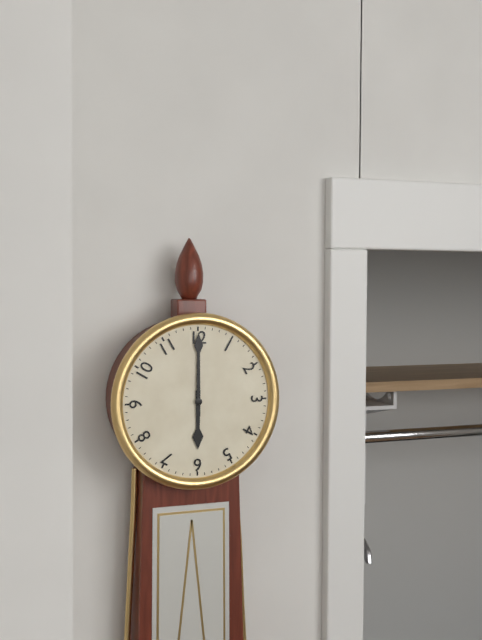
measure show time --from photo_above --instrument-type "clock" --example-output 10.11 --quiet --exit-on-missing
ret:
6.00
